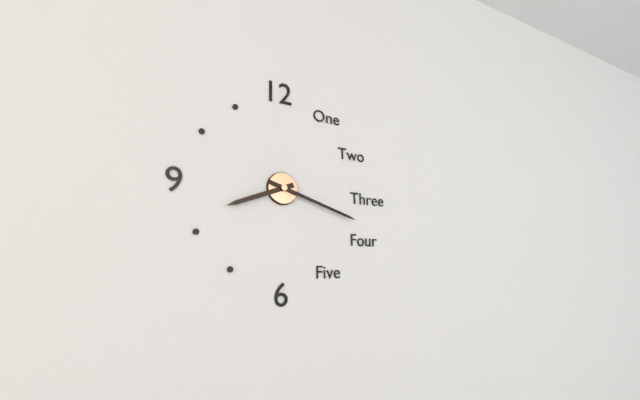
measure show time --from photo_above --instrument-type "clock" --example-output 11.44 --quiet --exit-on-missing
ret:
8.18
